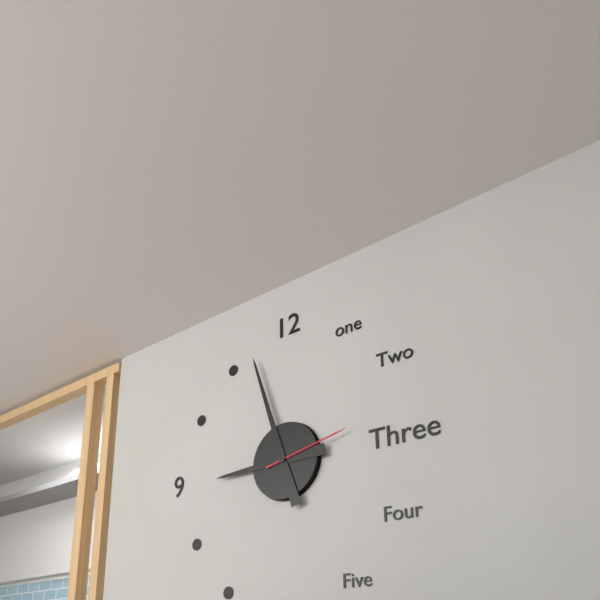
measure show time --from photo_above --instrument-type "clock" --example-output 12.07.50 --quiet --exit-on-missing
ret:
8.57.13
